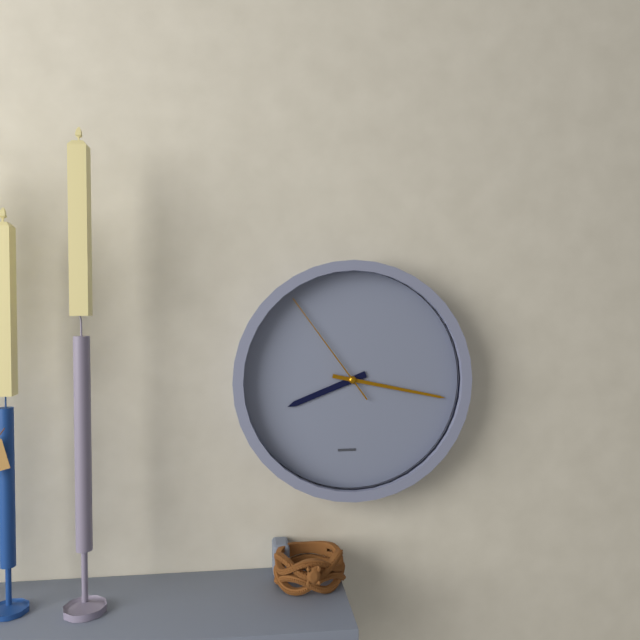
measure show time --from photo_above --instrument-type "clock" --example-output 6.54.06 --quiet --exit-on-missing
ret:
8.17.54
